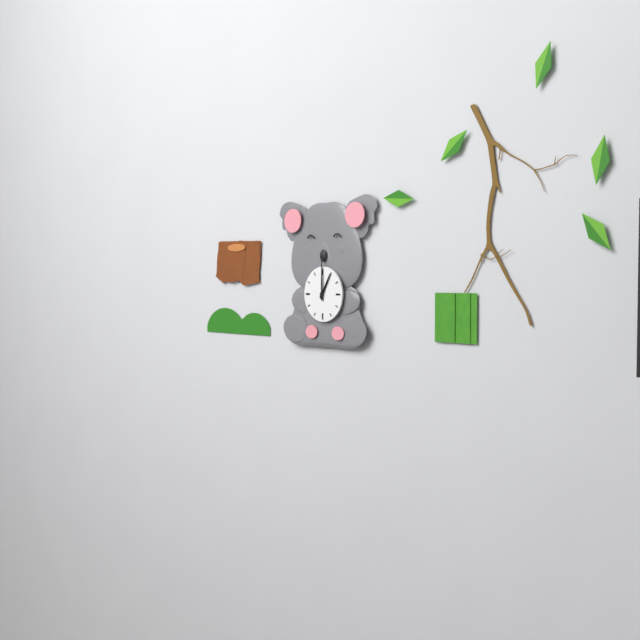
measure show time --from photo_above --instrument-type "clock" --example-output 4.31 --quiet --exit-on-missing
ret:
1.00
